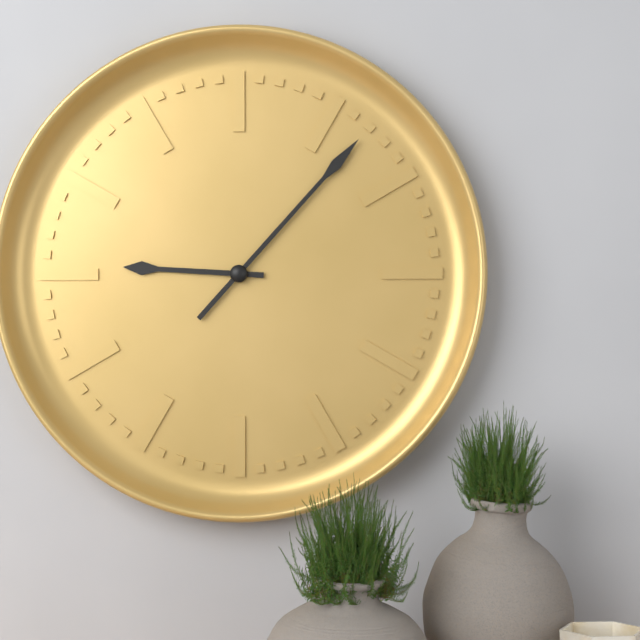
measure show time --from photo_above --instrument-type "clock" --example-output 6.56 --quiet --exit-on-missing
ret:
9.07
